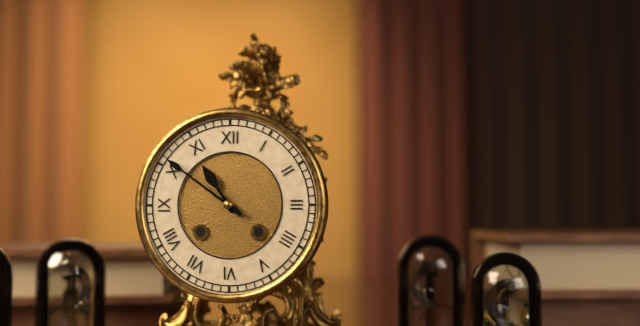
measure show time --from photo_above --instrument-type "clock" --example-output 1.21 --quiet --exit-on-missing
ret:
10.51
